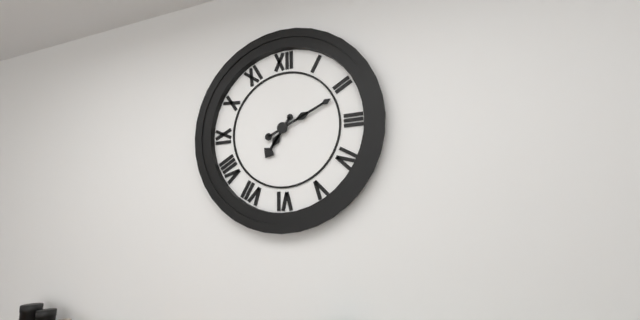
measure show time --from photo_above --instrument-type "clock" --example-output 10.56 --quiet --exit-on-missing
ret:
7.11
